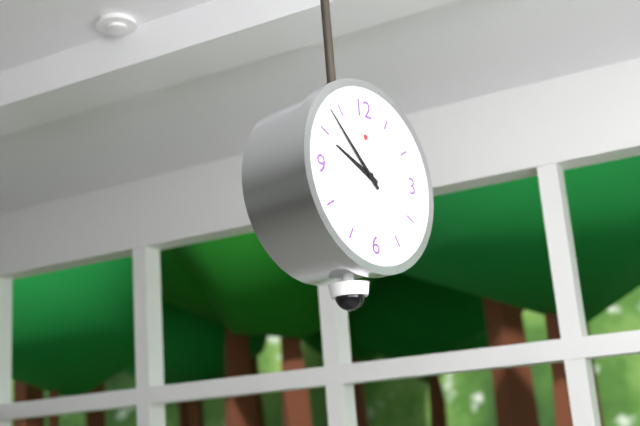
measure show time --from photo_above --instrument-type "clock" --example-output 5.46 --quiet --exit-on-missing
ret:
9.53
